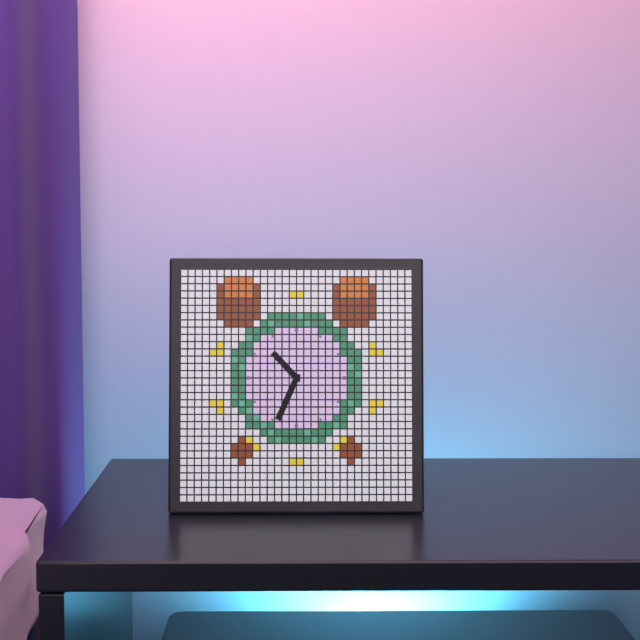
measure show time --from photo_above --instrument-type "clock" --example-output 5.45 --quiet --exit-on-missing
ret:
10.34
